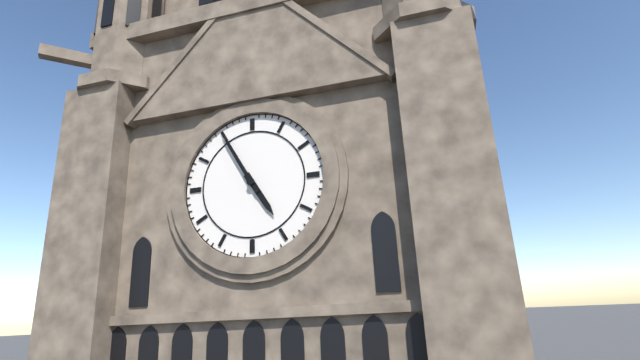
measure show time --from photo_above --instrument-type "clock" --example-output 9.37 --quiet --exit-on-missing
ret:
4.55
